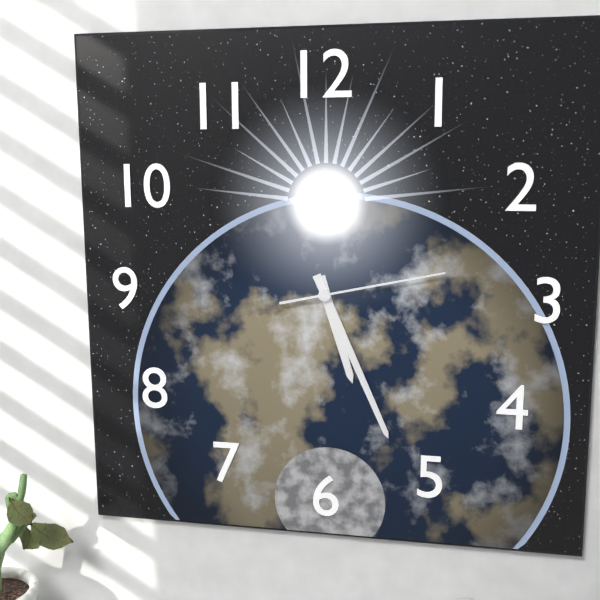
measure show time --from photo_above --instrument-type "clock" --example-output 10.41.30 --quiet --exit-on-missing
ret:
5.26.13
